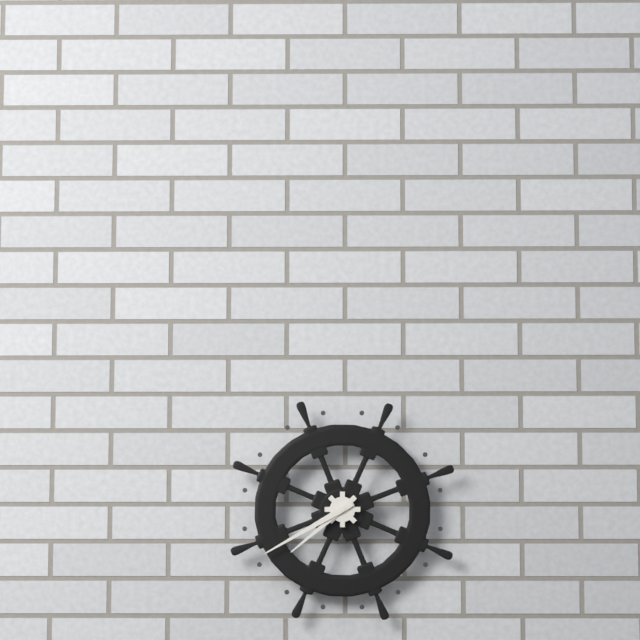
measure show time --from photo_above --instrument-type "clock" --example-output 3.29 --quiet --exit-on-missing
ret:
7.40
